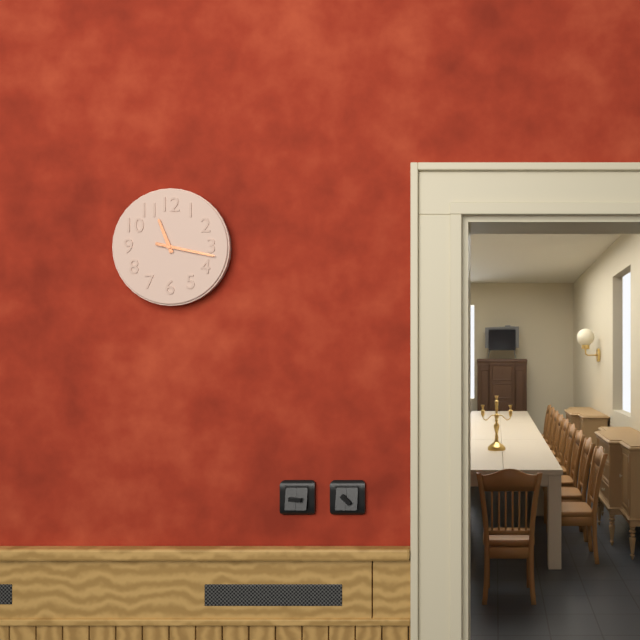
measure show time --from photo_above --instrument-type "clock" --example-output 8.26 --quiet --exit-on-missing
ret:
11.17
